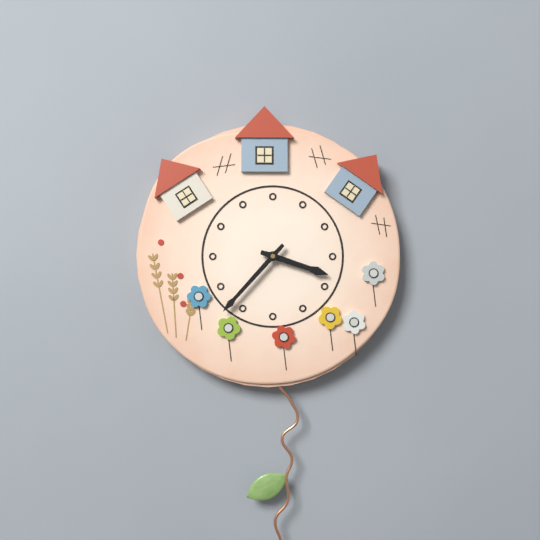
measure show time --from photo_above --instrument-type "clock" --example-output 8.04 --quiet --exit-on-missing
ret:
3.37
